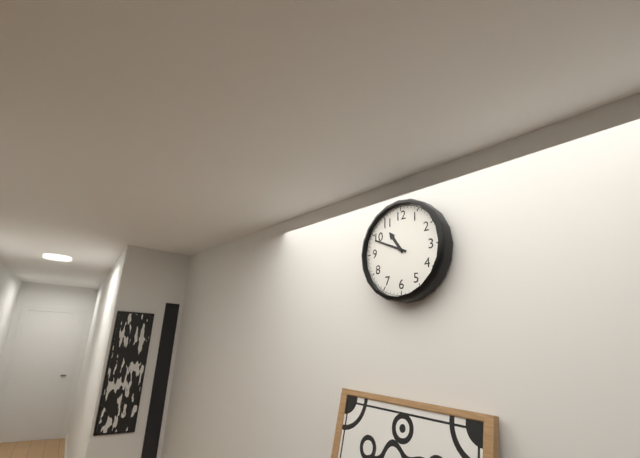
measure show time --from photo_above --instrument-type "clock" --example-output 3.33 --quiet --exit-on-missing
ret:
10.49
